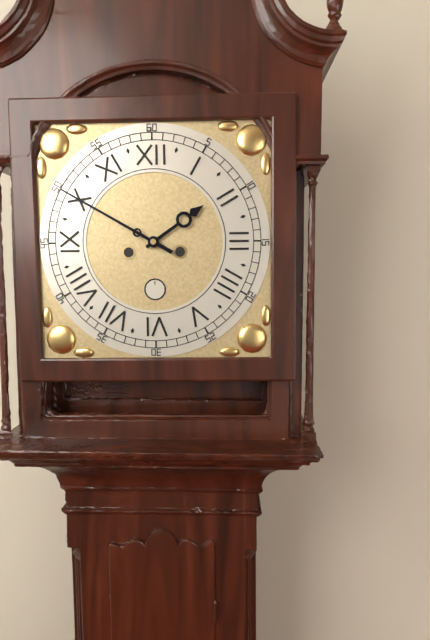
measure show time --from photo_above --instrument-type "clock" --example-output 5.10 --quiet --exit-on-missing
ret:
1.50
